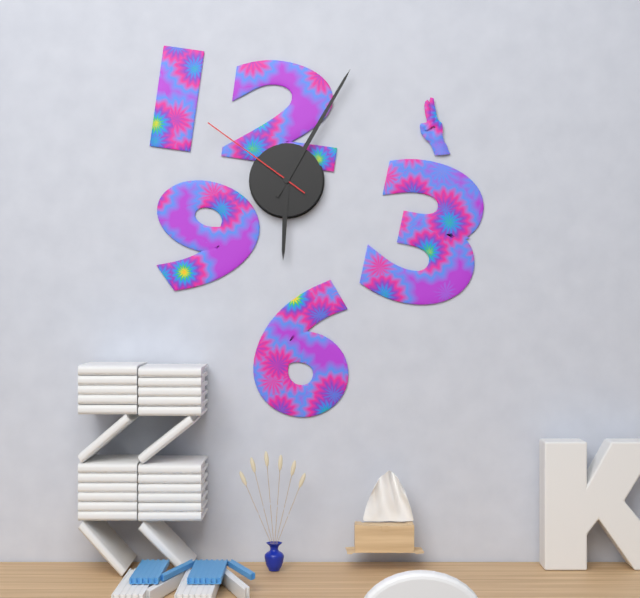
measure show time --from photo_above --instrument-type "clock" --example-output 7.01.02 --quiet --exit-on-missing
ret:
6.05.51
